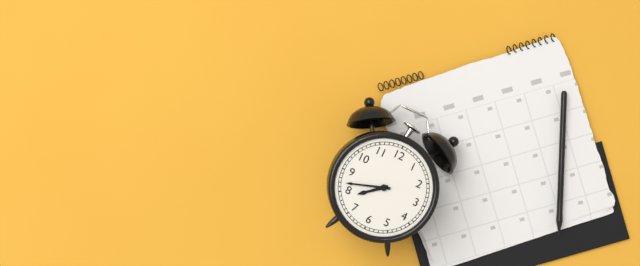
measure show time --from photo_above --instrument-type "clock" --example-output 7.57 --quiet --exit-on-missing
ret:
7.42
